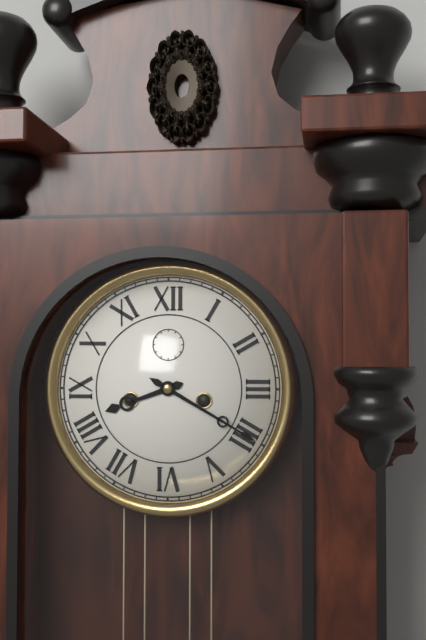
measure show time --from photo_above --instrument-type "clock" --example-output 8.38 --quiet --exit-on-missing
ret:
8.20
